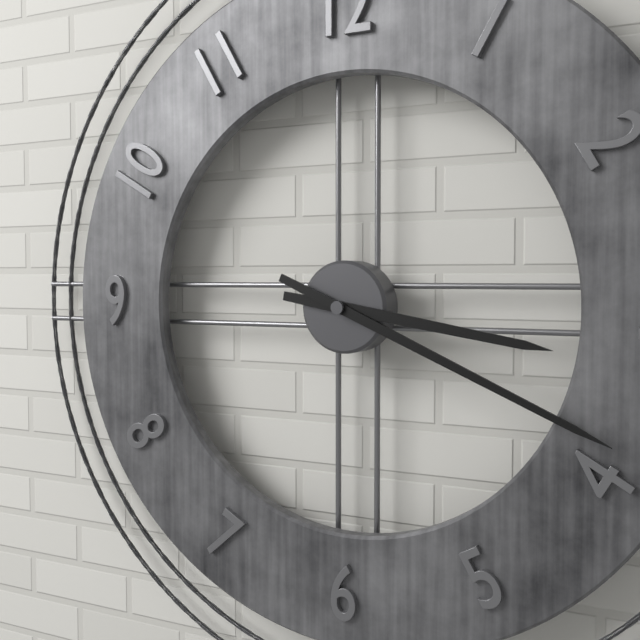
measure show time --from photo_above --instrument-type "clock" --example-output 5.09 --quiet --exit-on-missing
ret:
3.19
